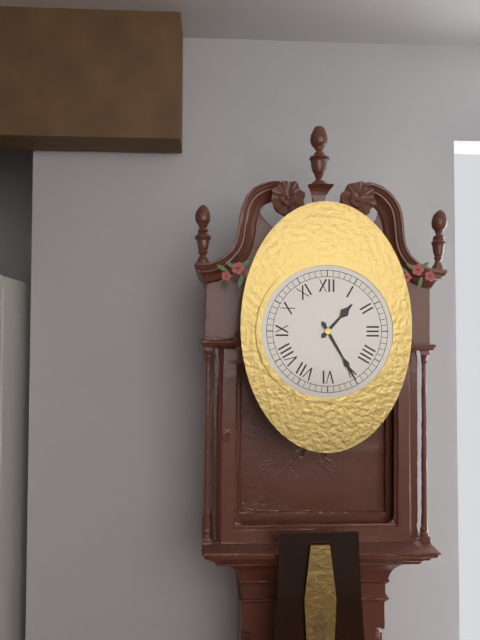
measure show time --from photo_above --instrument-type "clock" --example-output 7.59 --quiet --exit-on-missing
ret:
1.25
